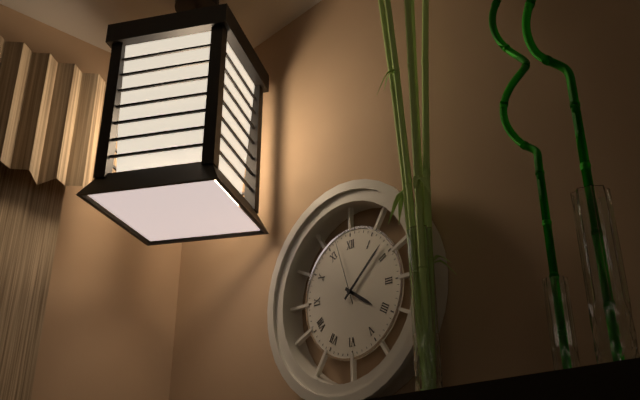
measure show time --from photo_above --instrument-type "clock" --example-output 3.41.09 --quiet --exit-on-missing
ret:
4.08.57
